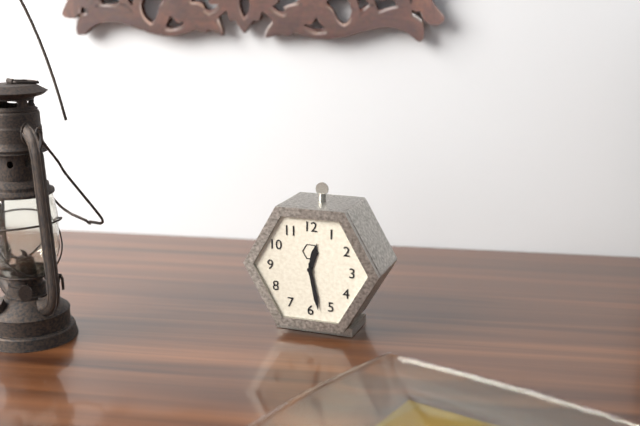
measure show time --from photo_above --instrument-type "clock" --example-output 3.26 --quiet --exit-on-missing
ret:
12.28
